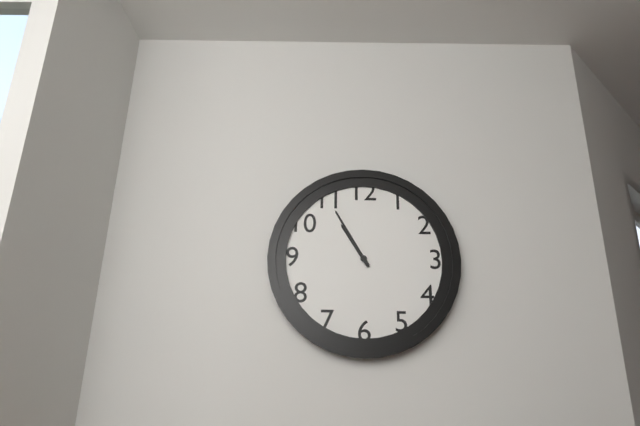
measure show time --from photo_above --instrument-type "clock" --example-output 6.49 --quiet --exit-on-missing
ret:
10.55
